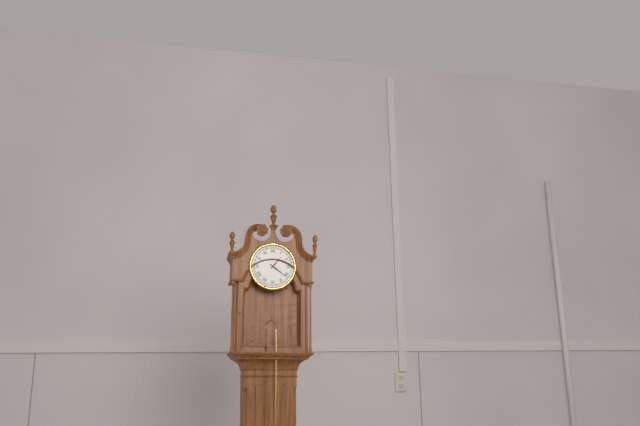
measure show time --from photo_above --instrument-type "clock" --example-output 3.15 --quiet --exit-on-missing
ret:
1.21
